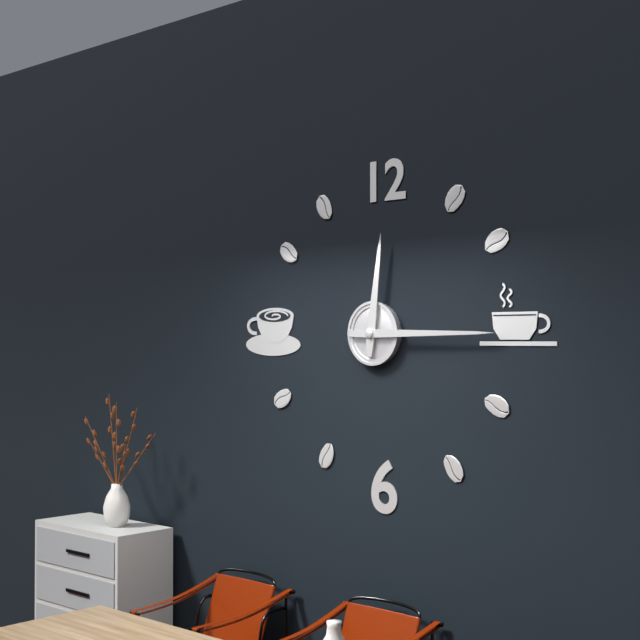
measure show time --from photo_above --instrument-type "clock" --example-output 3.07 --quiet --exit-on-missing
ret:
12.15
